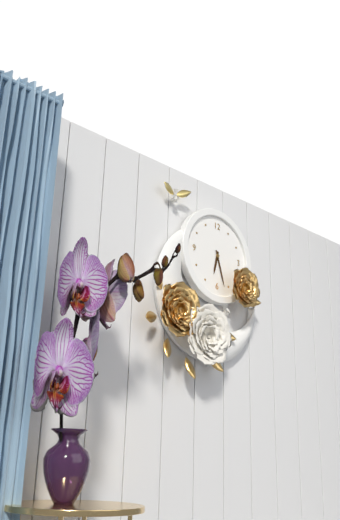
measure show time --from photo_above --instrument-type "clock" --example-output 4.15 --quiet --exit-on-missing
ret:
6.27
